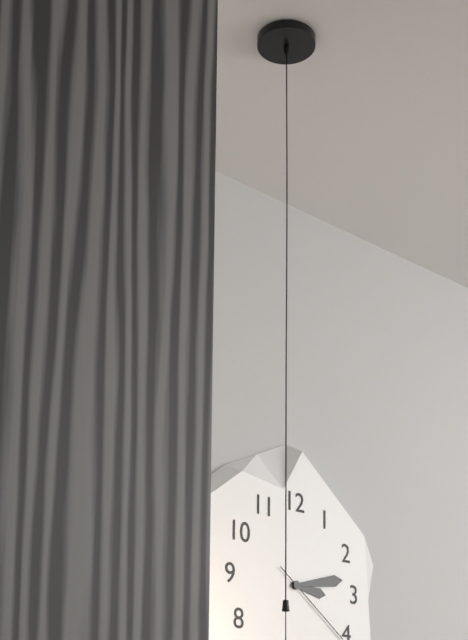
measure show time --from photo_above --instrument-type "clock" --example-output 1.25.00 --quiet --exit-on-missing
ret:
3.13.21
